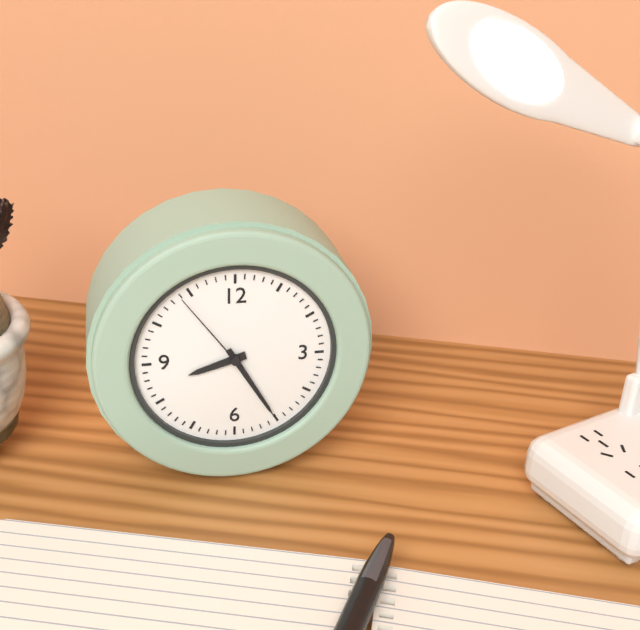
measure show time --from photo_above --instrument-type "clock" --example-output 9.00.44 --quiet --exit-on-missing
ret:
8.25.54
